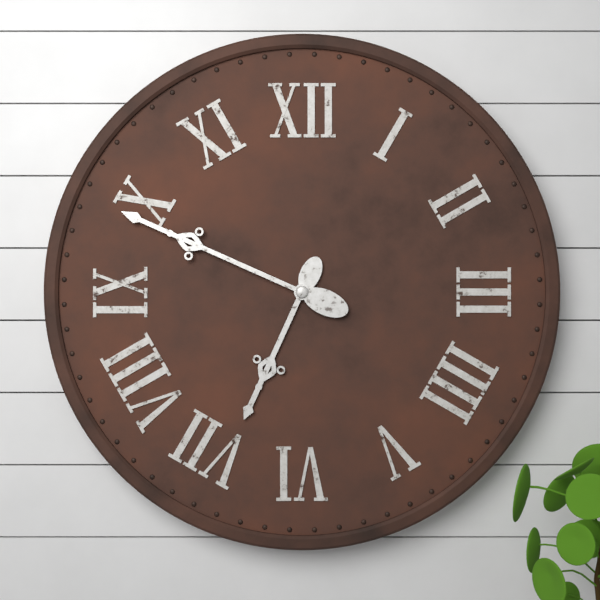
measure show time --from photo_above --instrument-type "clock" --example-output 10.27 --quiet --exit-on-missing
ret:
6.49
